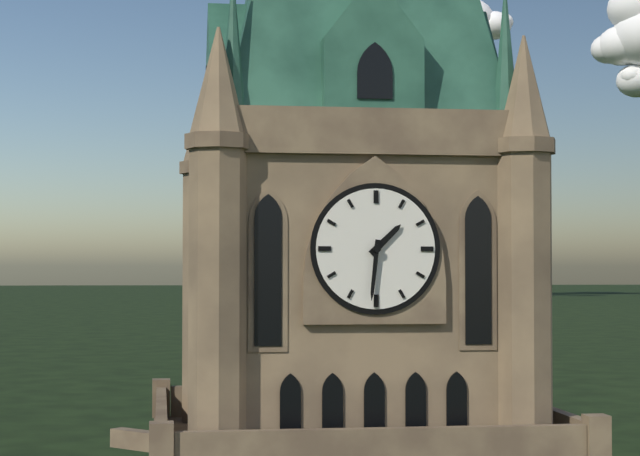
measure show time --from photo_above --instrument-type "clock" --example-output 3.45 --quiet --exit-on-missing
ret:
1.31
